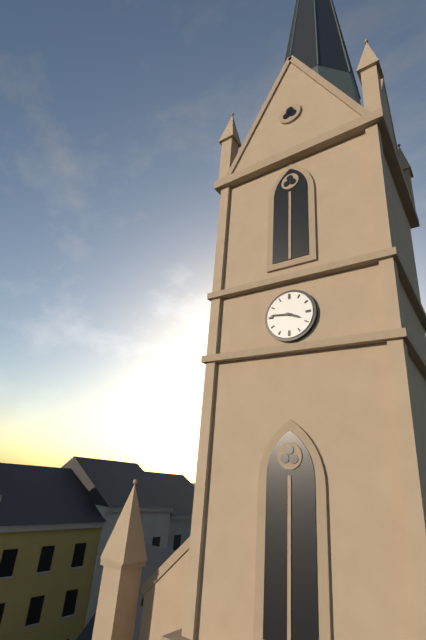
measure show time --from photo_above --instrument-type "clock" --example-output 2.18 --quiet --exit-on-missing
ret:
3.46
